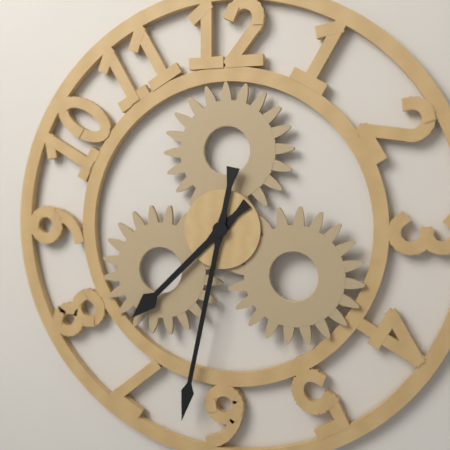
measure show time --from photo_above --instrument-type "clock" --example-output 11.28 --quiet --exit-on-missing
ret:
7.32
